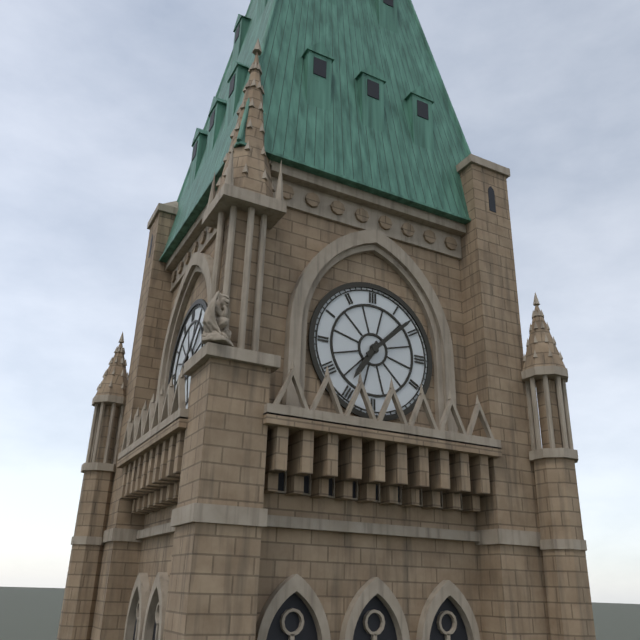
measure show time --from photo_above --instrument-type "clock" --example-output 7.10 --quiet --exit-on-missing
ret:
7.08
